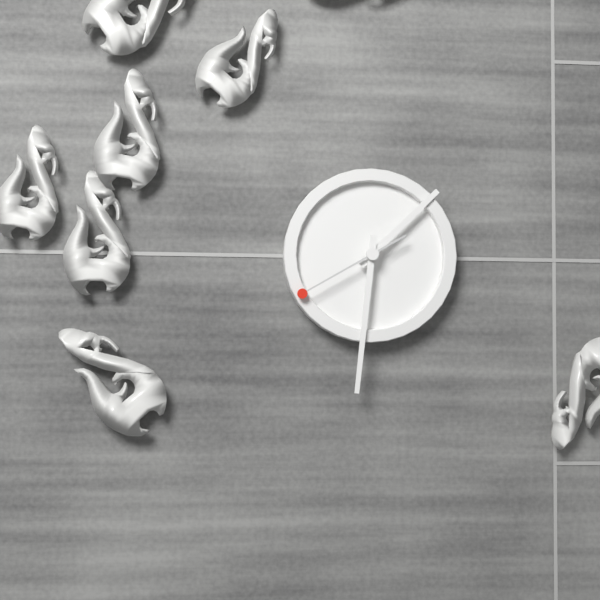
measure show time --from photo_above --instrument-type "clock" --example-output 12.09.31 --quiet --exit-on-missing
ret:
1.31.40
